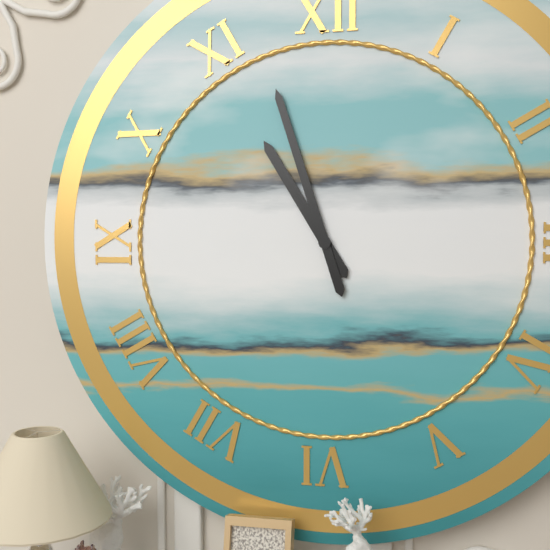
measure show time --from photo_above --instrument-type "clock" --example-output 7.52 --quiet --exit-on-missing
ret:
10.57
